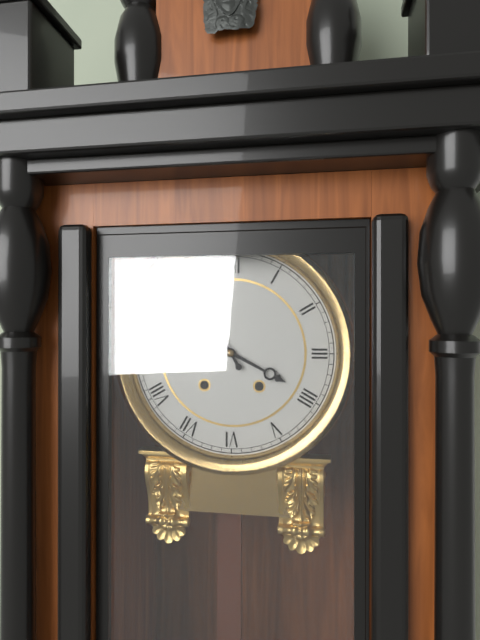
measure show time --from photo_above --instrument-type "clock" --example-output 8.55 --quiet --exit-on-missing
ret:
3.55
